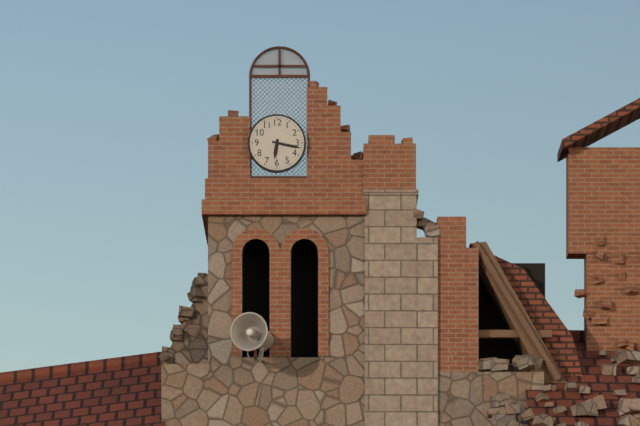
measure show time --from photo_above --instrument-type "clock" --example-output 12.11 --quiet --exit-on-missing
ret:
6.17
